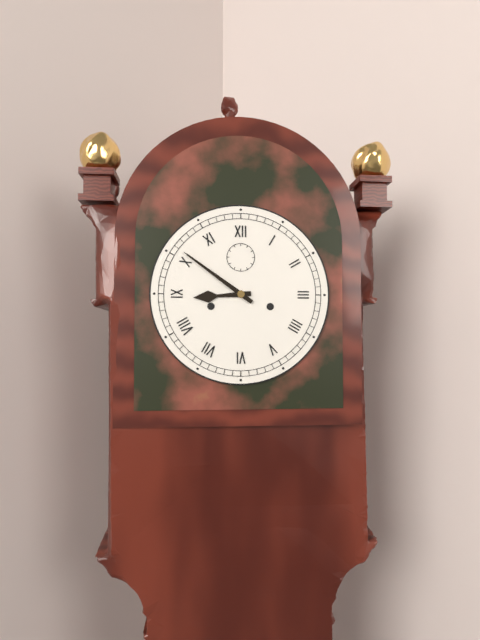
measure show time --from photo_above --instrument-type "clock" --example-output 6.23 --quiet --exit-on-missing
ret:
8.51
